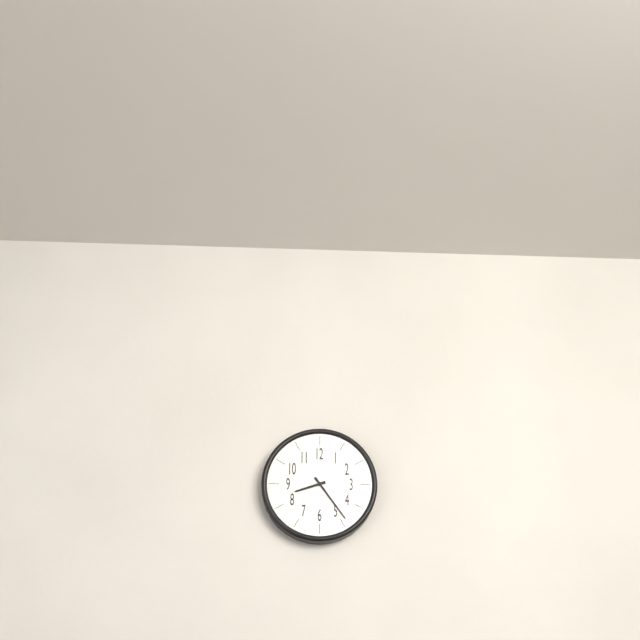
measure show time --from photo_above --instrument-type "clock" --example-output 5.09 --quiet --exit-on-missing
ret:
8.24
